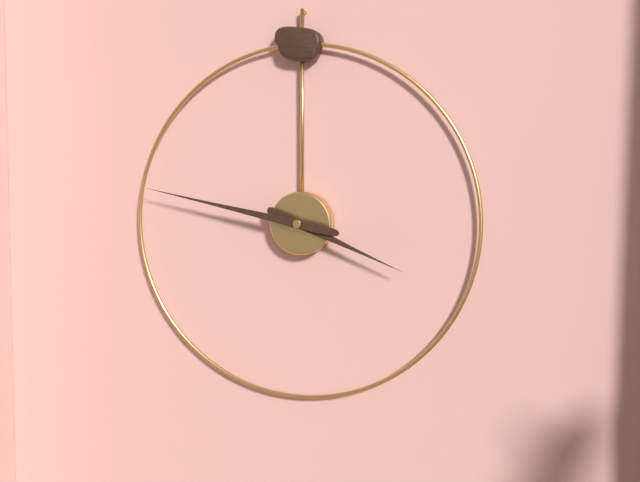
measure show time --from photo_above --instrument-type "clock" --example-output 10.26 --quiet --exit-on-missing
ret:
3.47
